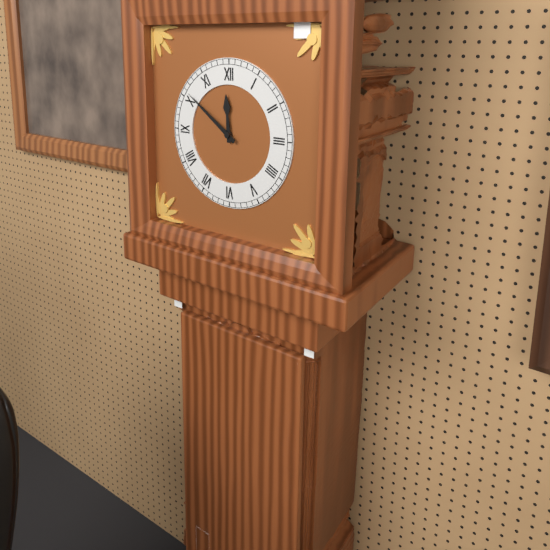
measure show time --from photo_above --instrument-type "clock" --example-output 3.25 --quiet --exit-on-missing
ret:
11.51
